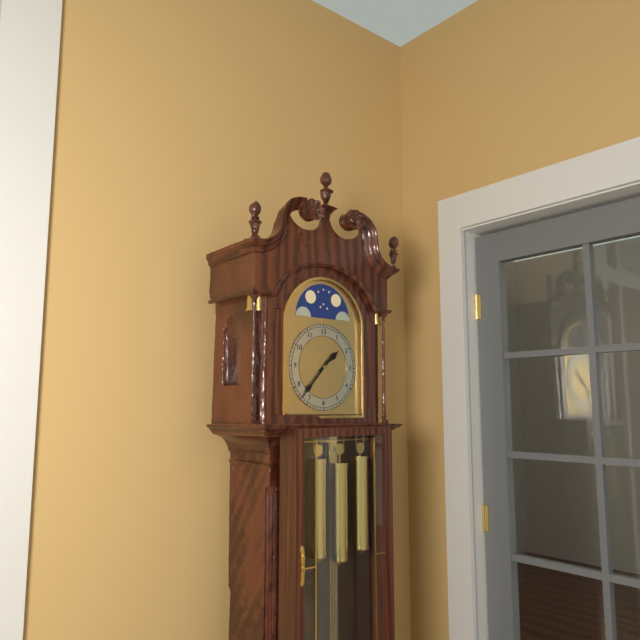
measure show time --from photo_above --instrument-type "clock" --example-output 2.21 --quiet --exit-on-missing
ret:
1.37
